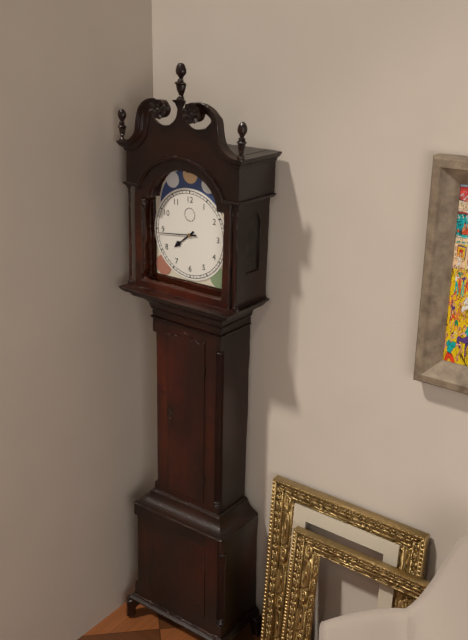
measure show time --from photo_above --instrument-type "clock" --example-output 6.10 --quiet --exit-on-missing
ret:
7.44
